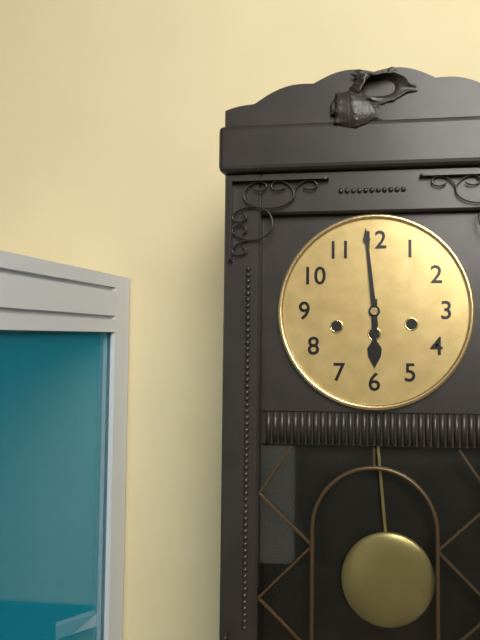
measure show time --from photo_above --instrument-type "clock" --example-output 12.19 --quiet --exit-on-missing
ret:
5.59
